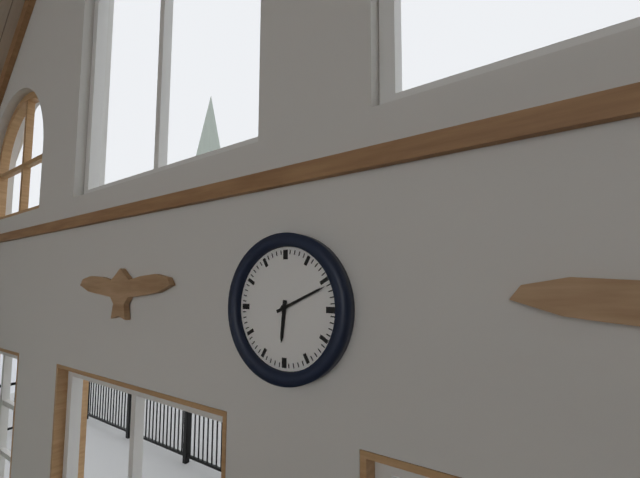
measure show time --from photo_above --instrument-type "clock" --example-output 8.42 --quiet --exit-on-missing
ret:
6.11
